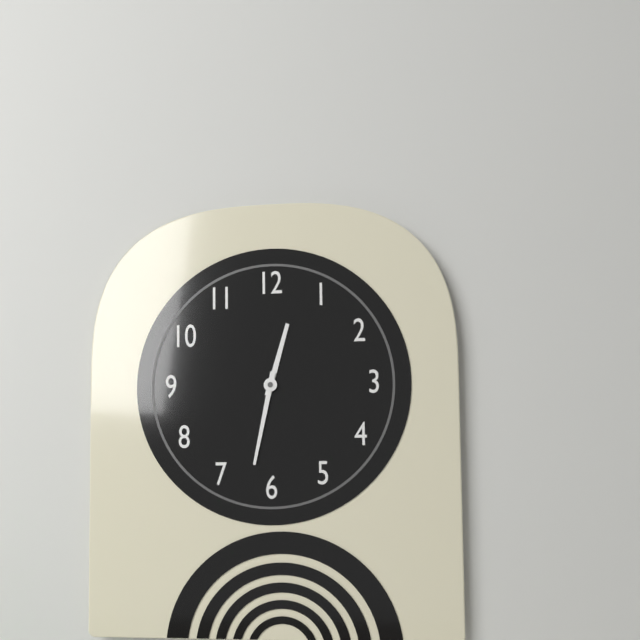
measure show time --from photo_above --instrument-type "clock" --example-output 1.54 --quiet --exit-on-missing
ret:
12.32
